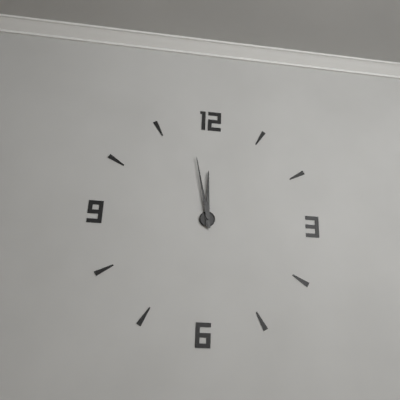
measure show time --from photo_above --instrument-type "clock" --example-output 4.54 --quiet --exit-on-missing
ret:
11.58
